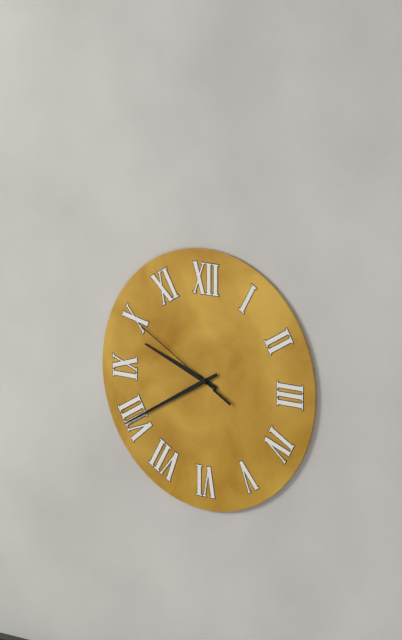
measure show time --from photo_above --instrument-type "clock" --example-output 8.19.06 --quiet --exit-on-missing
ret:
9.40.50
